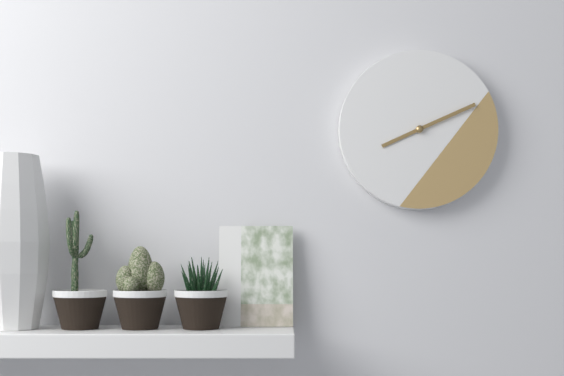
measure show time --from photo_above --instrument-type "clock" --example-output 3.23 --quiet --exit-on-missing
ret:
8.11
